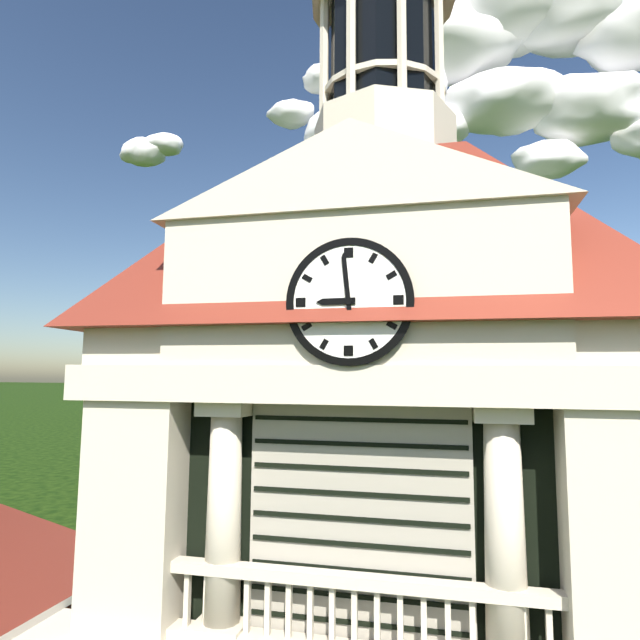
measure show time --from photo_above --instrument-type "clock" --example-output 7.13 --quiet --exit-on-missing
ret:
8.59
